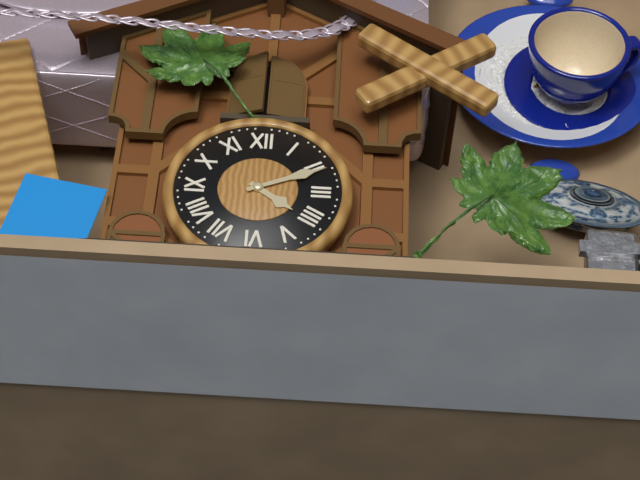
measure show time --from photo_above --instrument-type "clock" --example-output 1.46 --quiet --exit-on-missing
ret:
4.11
